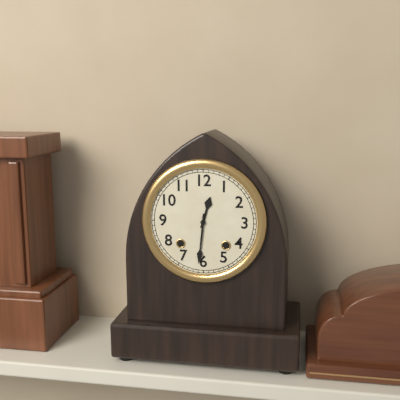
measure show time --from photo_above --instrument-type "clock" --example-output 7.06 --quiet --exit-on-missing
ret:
12.31
